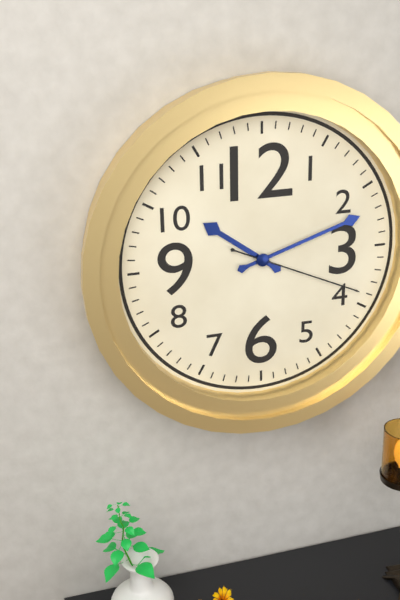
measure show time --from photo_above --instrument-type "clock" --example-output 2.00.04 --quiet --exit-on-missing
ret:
10.12.19
